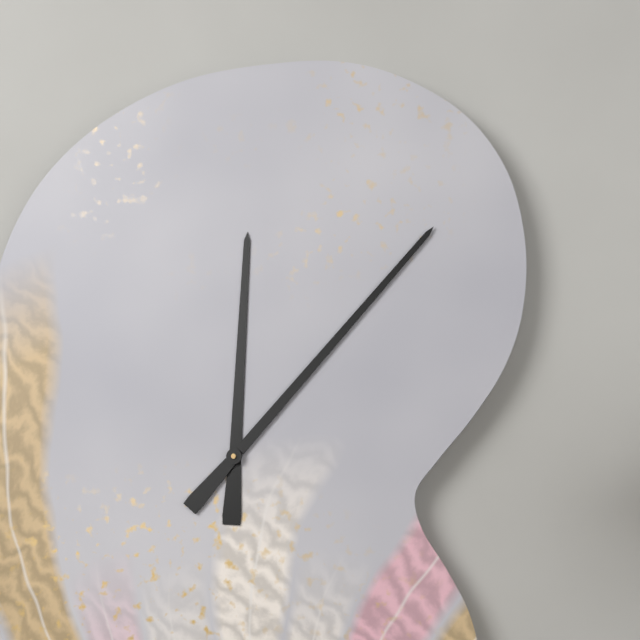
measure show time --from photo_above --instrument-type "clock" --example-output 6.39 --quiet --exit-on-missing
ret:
12.07
